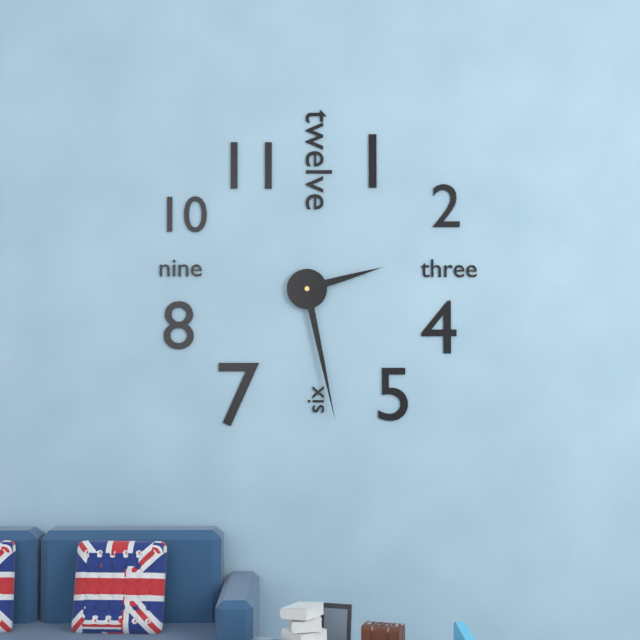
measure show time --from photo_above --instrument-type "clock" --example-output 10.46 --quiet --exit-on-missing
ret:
2.28
